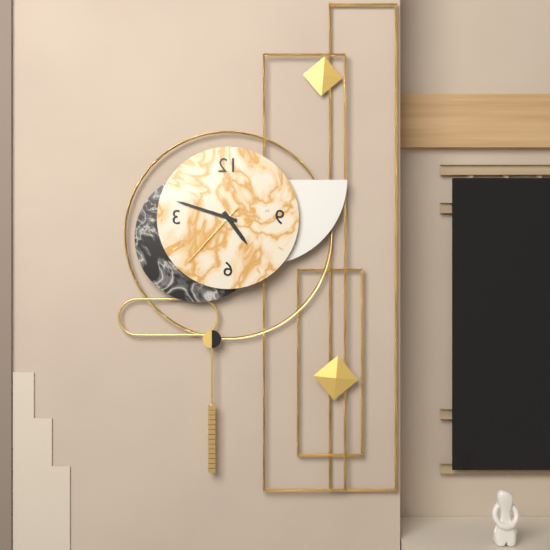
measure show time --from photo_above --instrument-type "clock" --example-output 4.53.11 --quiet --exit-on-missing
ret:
4.48.37
